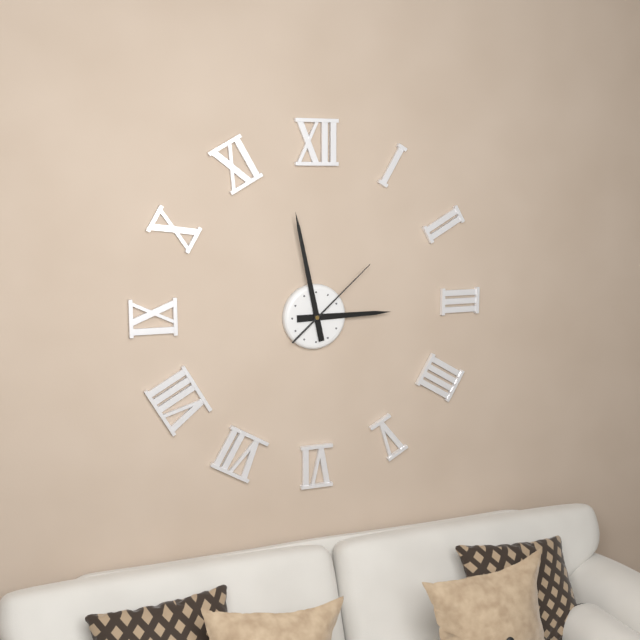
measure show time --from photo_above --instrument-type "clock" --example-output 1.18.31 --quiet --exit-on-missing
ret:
2.58.08
